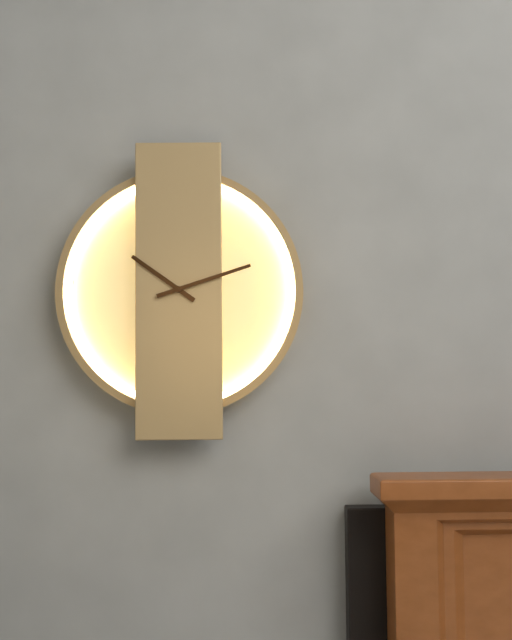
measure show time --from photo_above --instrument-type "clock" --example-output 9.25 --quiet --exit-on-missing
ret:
10.12
